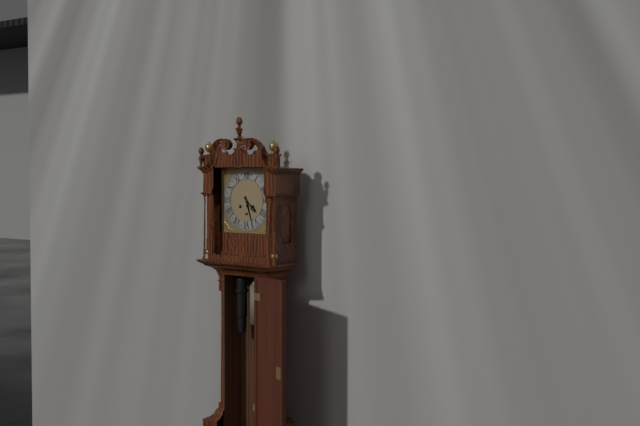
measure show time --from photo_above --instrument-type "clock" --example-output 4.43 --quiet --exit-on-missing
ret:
4.27
